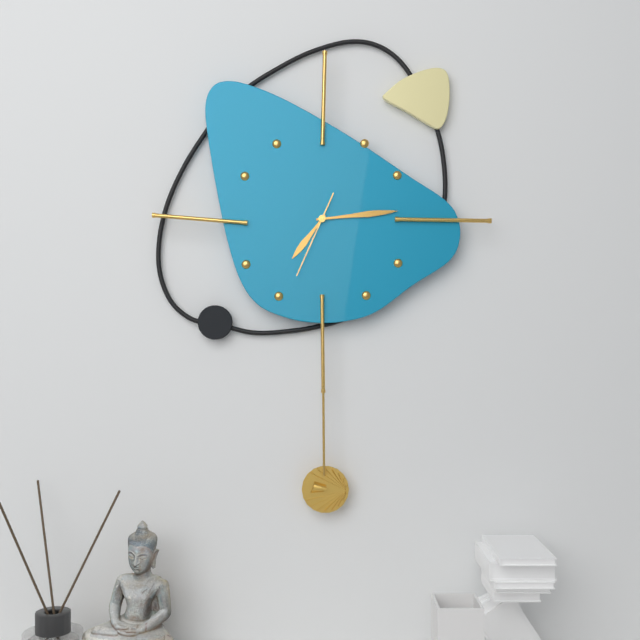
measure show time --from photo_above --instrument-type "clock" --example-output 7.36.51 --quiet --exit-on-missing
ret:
7.14.34
